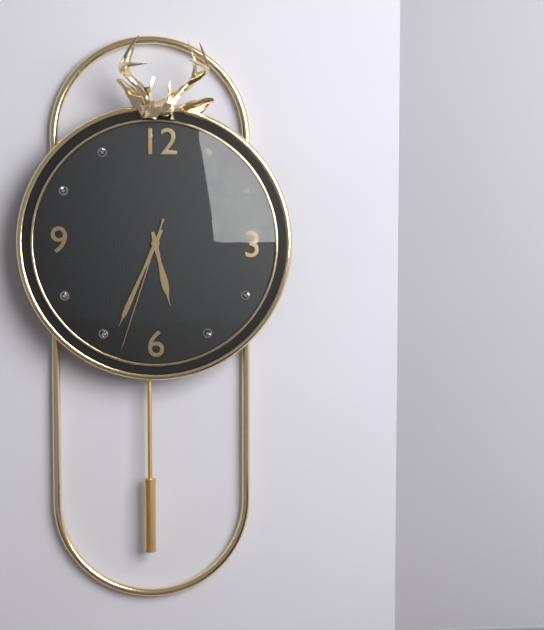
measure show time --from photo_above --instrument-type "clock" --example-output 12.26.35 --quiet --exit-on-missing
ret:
5.34.33
